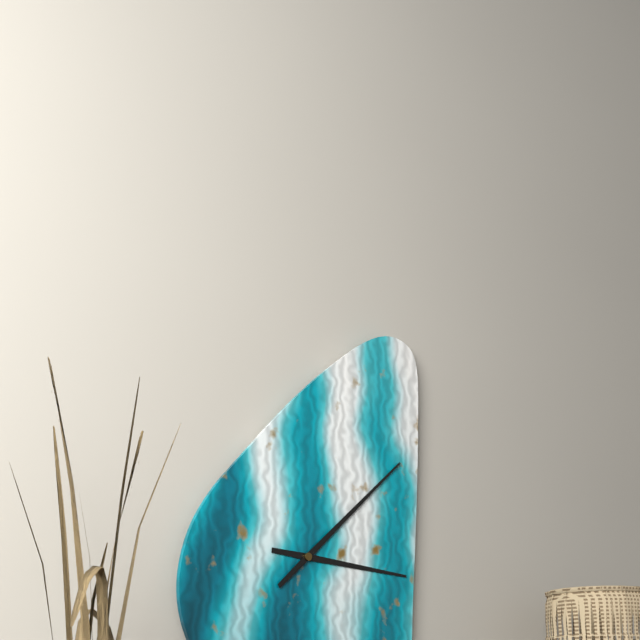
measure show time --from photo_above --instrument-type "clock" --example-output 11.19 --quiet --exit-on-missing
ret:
3.08
